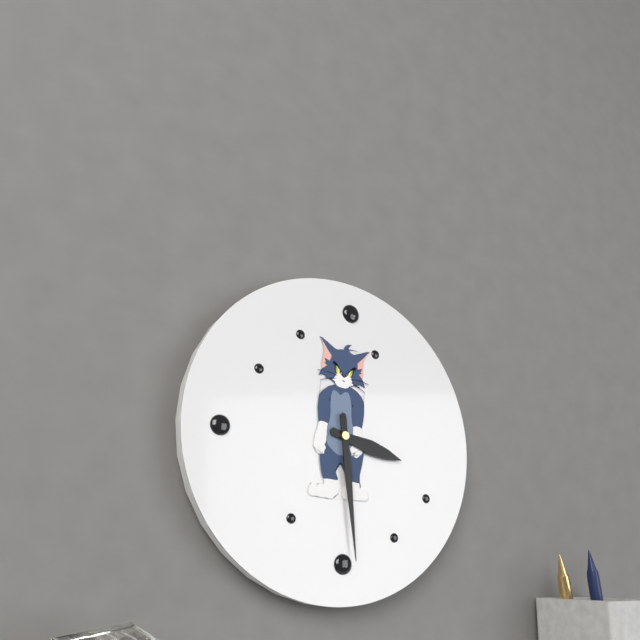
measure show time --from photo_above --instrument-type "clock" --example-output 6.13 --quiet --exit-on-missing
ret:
3.29
